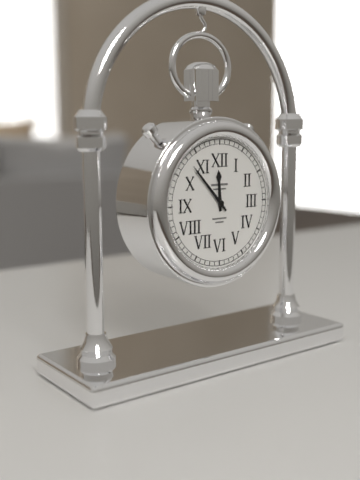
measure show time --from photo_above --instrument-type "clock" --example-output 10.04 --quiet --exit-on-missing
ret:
11.53
